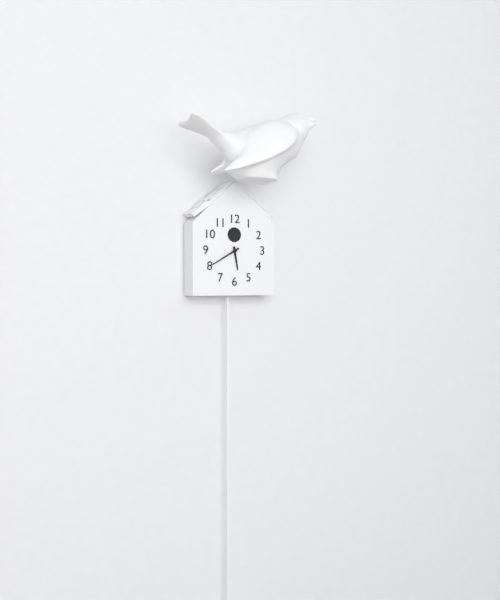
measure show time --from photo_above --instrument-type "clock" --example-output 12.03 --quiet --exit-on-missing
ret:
5.40
